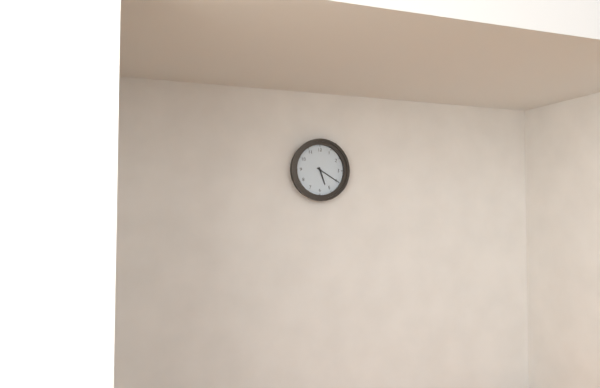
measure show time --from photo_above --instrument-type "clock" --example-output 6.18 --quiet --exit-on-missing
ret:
5.20
